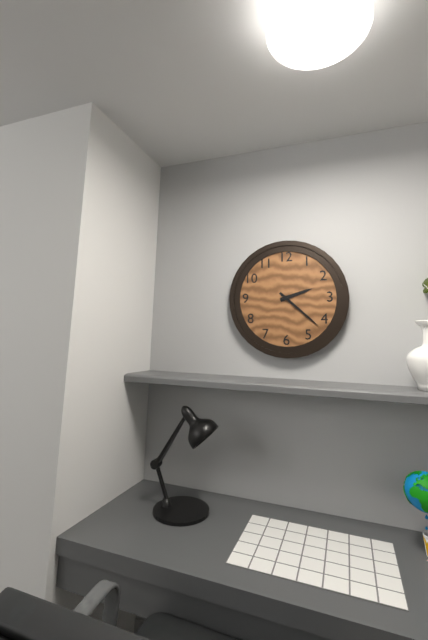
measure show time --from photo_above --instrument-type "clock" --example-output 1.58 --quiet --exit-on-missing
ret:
2.22
